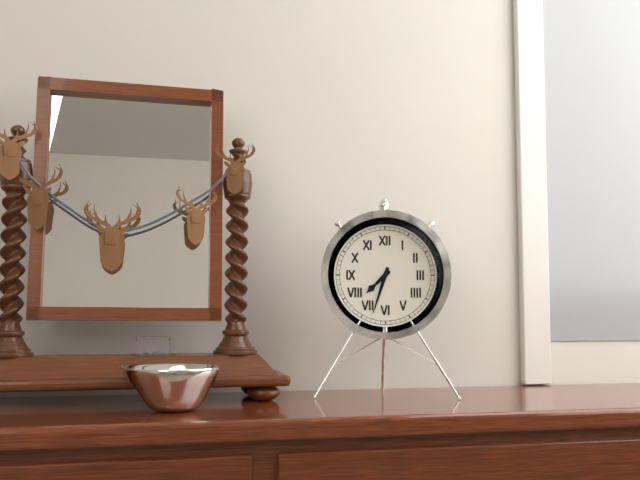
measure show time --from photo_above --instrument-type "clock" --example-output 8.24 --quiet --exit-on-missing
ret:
7.33
